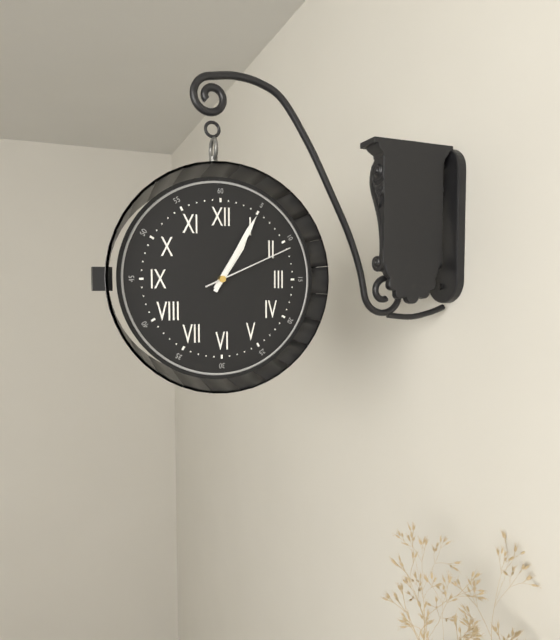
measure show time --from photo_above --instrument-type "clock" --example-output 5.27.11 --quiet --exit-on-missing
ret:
1.05.11
